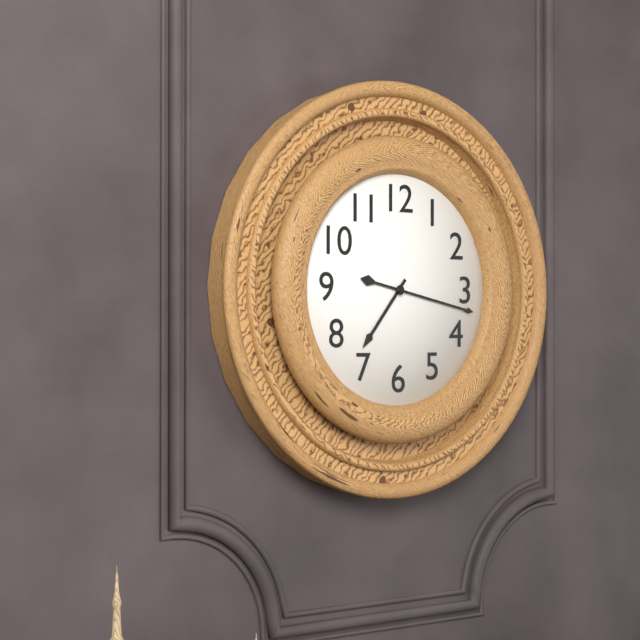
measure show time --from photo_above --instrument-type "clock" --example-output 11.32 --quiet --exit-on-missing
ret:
7.17
